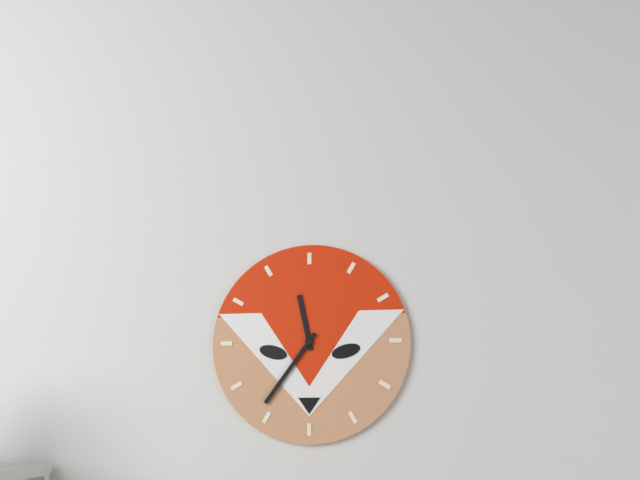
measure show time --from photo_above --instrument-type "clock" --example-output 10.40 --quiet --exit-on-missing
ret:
11.36
